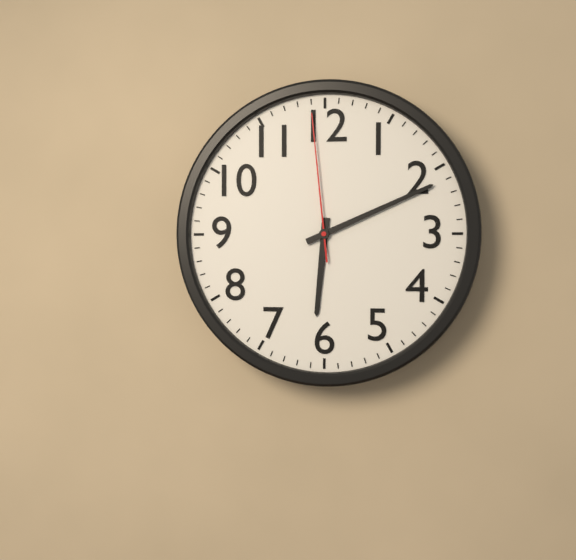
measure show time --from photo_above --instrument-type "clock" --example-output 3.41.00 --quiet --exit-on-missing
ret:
6.11.59
